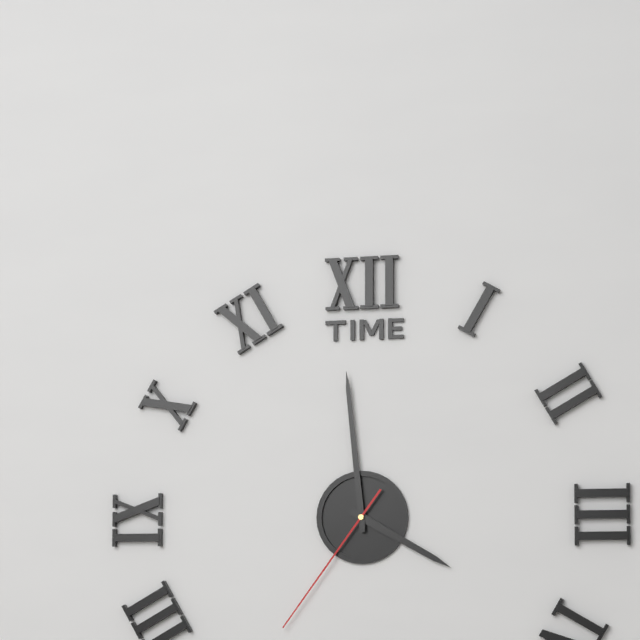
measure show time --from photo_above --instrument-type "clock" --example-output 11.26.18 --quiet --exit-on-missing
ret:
3.59.36
